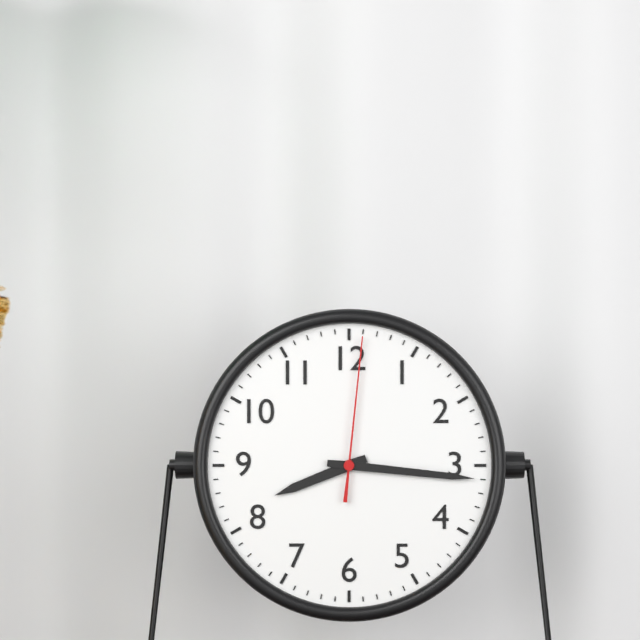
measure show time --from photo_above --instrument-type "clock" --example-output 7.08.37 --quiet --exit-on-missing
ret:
8.16.01
